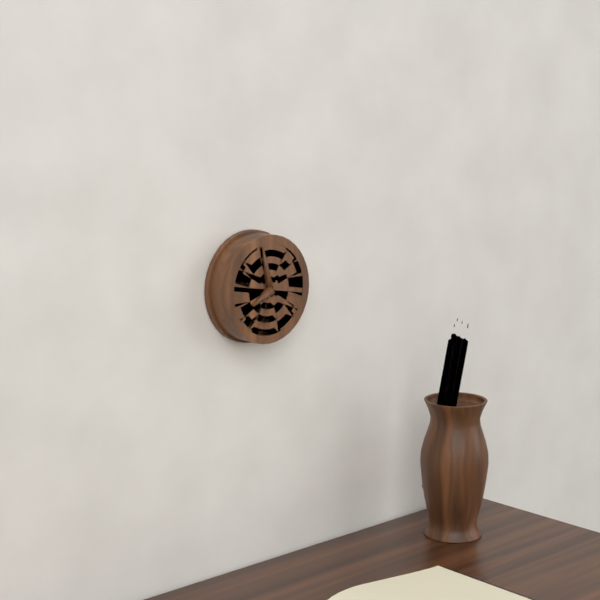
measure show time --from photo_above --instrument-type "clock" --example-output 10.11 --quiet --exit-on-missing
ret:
7.58
